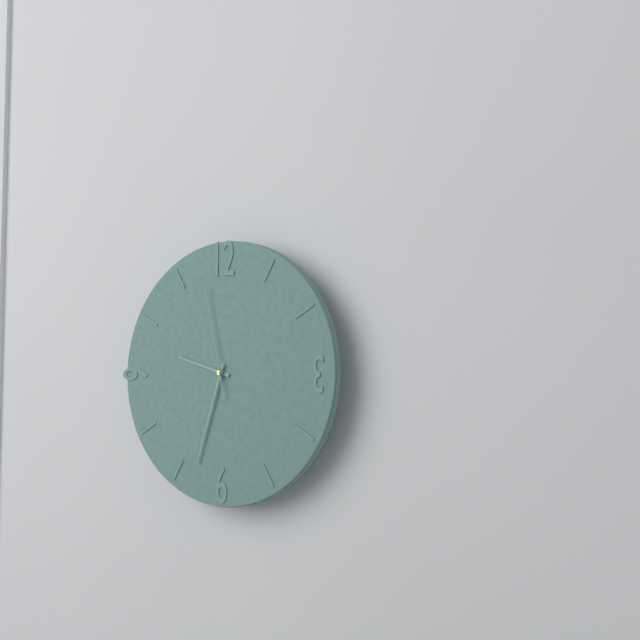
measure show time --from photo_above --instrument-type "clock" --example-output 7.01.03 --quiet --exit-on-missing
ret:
9.33.58
